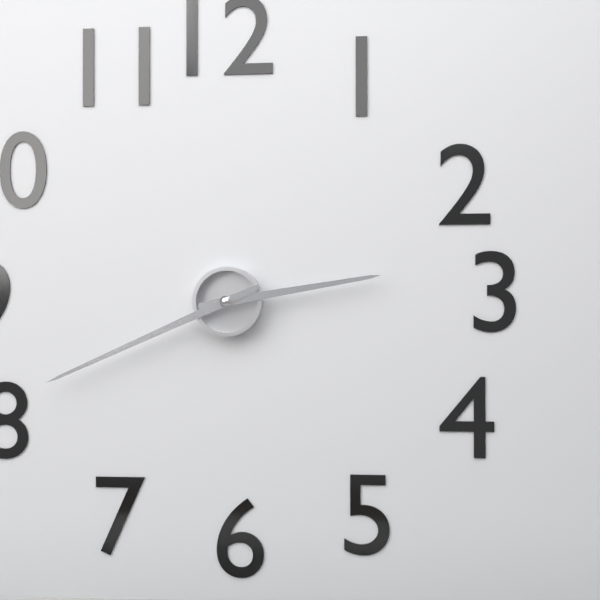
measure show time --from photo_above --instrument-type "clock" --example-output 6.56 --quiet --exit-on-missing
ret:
2.41
